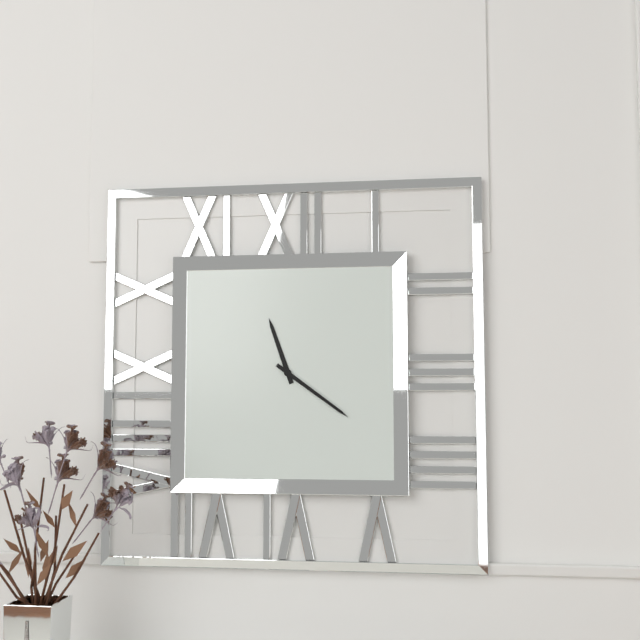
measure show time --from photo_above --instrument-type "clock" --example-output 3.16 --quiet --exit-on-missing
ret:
11.21
